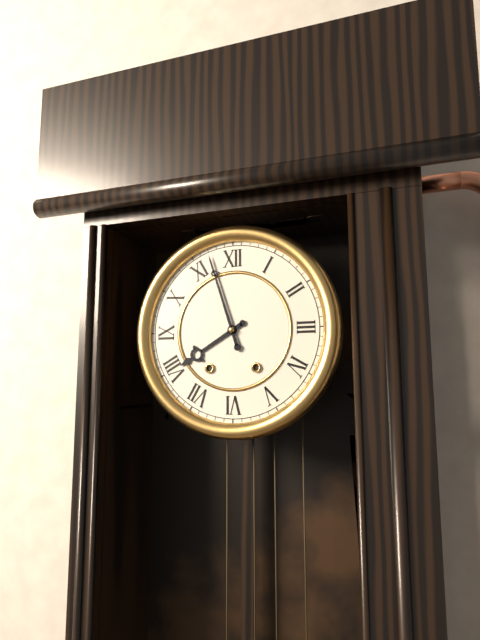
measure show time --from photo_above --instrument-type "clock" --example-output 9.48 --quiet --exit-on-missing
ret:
7.57
